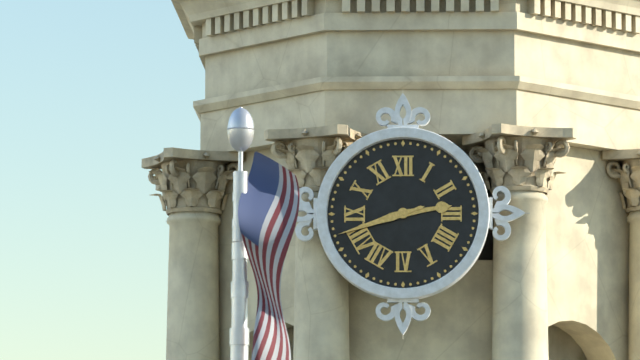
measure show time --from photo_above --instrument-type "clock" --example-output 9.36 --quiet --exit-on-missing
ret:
2.42
